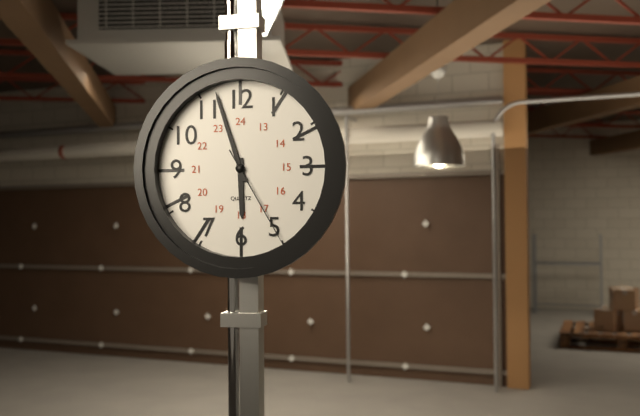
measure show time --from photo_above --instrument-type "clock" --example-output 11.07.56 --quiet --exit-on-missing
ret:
5.57.25
